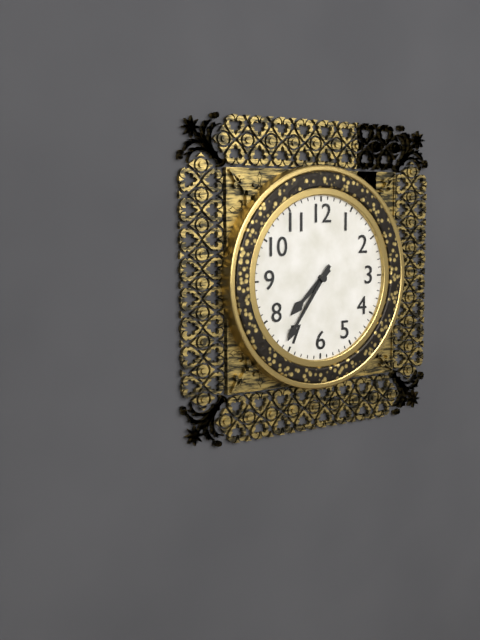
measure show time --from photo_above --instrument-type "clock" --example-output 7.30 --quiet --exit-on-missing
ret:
7.36
